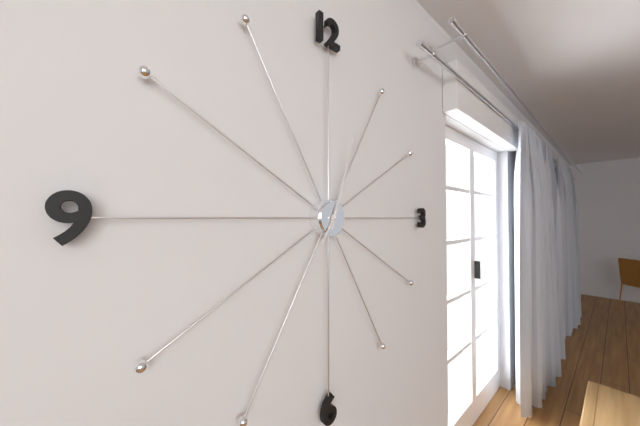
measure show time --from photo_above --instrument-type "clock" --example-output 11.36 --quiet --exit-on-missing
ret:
7.03
